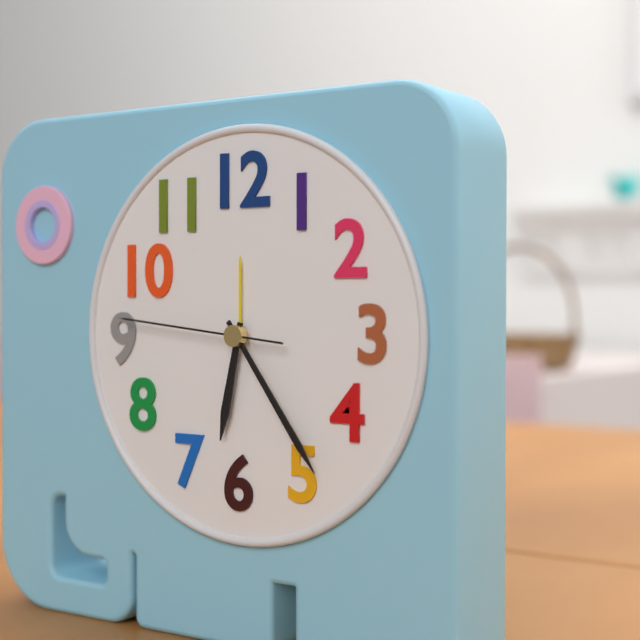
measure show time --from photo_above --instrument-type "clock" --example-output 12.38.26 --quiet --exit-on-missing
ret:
6.24.46
